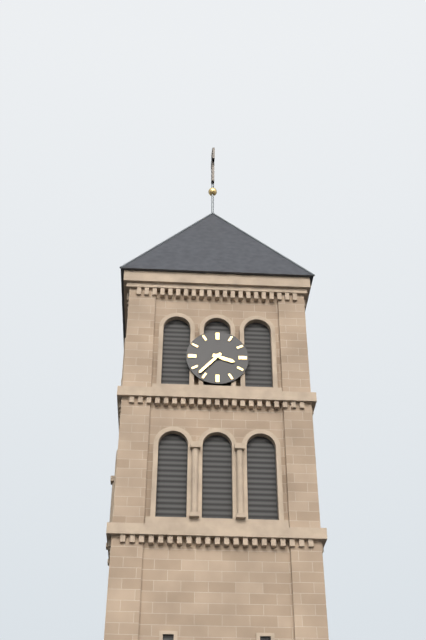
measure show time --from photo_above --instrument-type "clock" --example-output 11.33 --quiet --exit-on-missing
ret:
3.37
